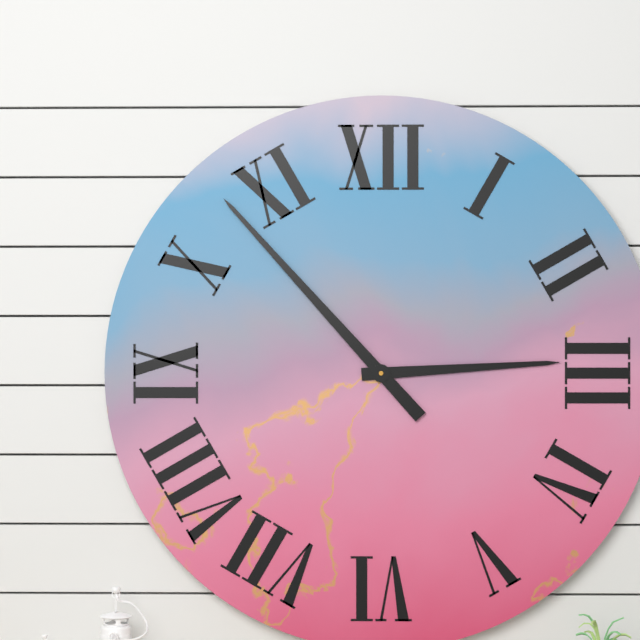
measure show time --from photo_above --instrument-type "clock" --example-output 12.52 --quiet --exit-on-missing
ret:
2.53
